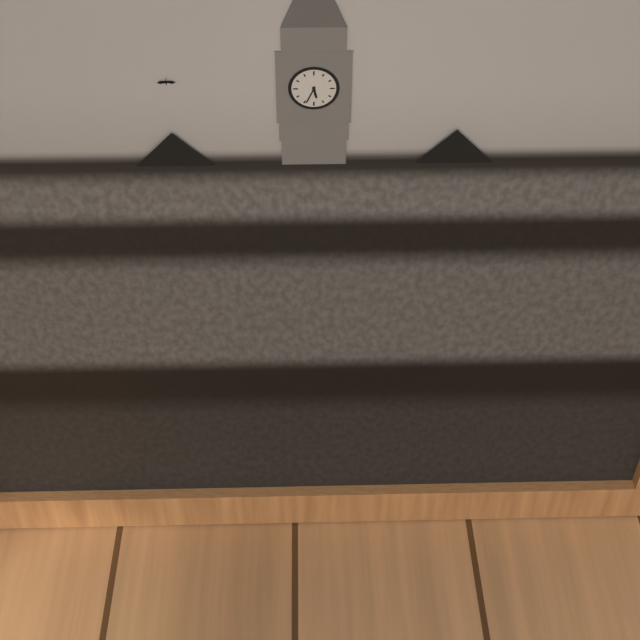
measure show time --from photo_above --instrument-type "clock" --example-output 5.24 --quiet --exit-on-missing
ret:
5.34
